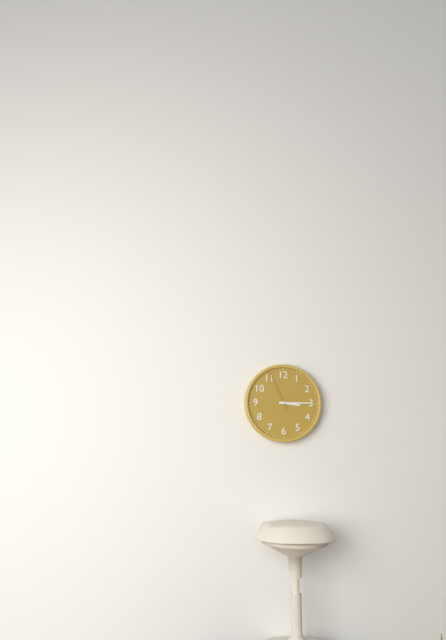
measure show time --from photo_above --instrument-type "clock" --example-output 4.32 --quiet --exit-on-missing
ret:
3.15
